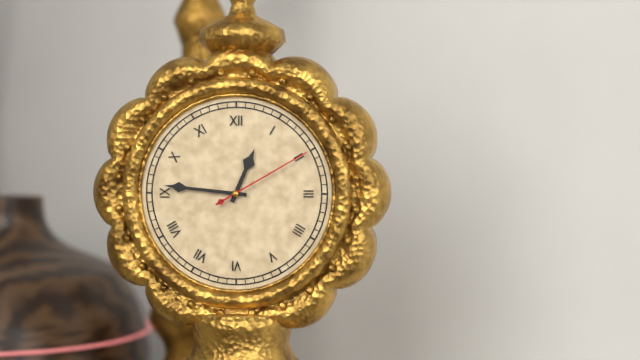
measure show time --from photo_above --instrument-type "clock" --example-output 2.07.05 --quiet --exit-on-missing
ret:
12.46.10
